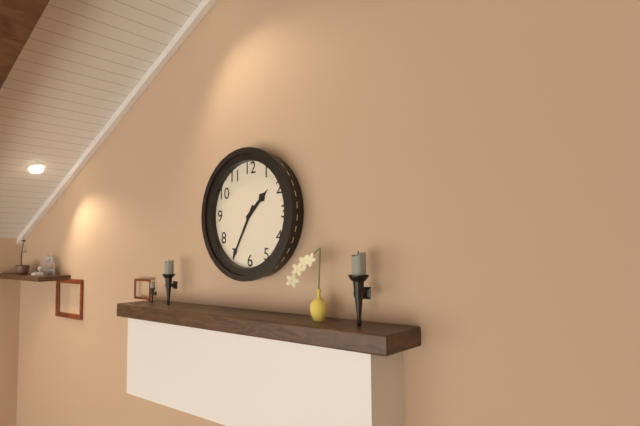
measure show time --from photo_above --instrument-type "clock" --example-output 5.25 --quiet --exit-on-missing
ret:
1.35
